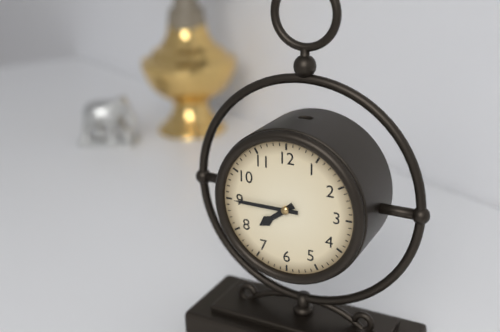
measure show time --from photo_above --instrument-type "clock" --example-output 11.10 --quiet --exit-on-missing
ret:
7.45
